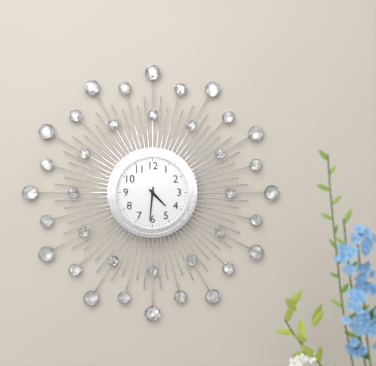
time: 4:31
